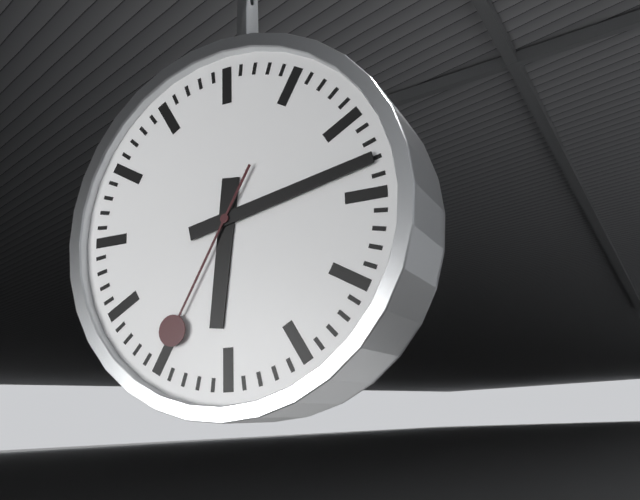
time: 6:13:35
